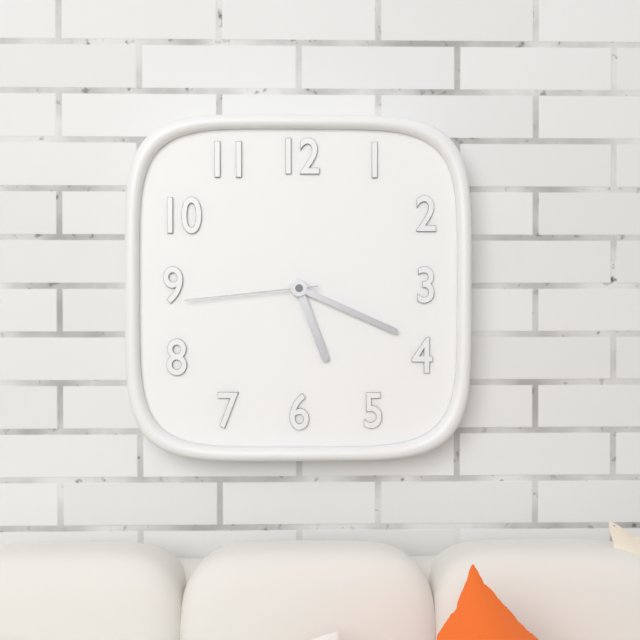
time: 5:19:44
